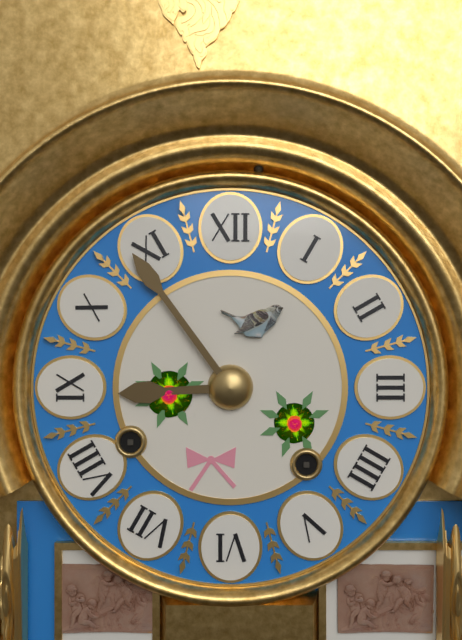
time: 8:54
